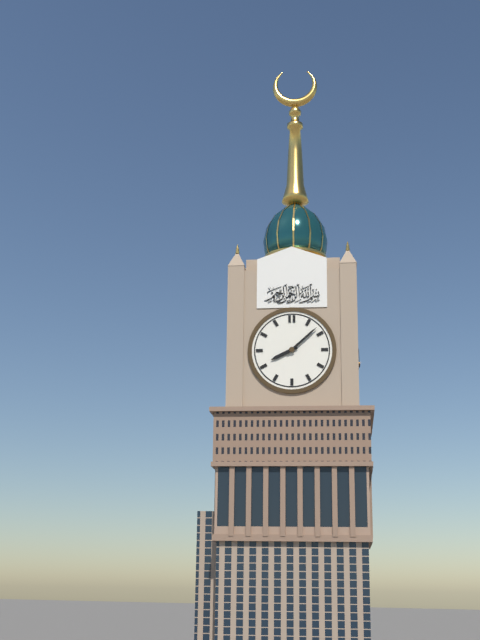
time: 8:08
